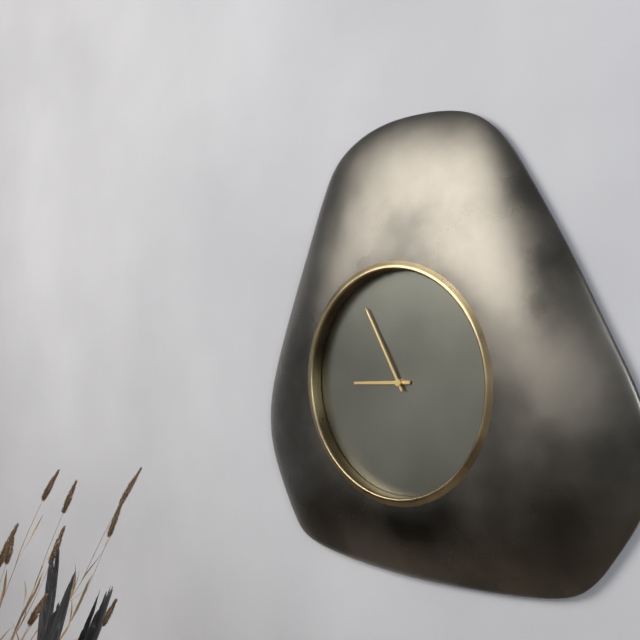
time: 8:55
